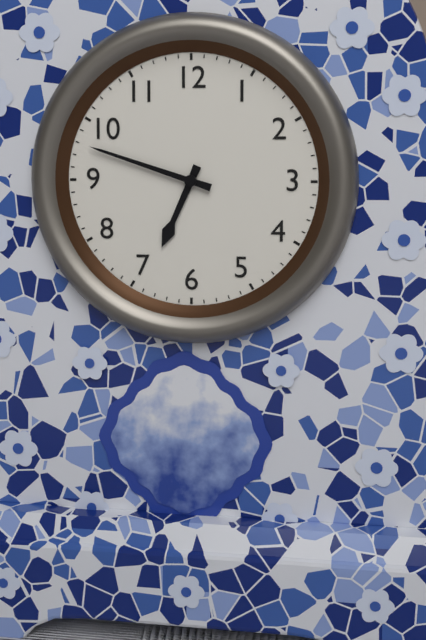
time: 6:48
